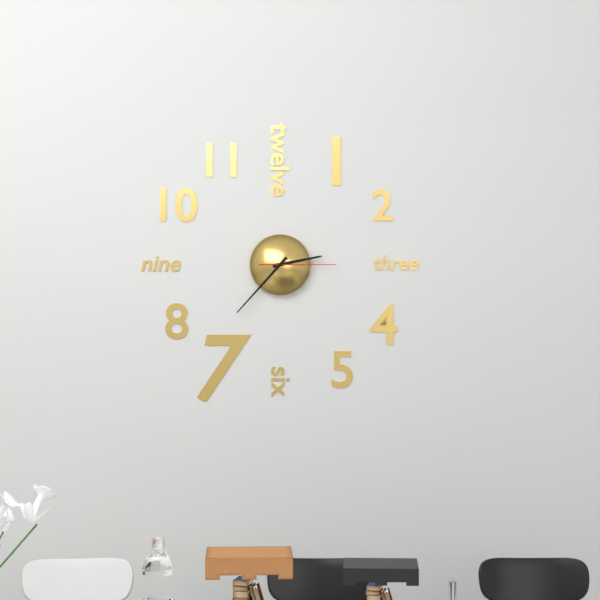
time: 2:37:15
